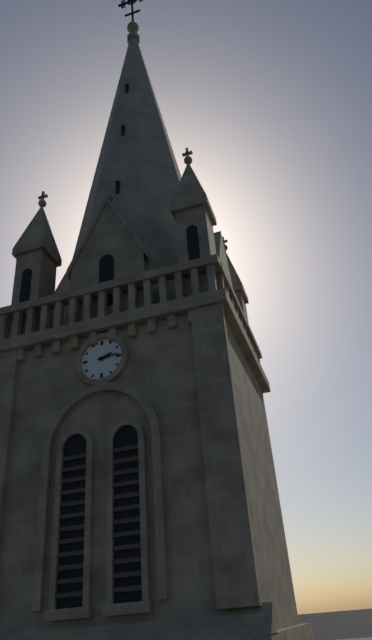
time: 2:14
